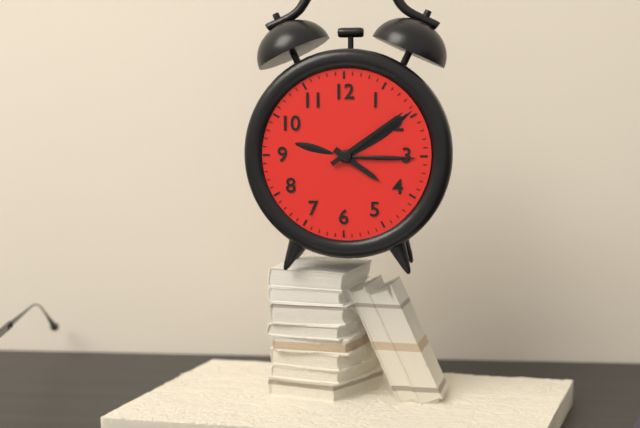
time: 4:09
